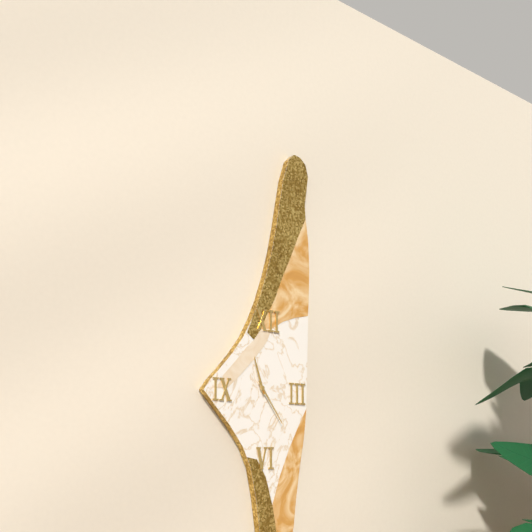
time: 11:24
